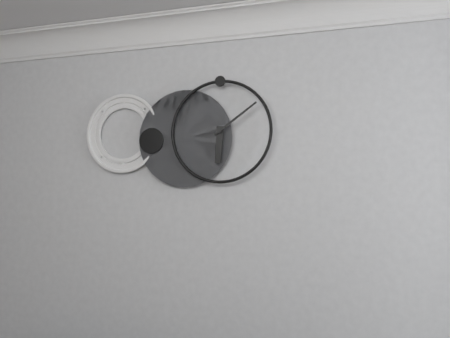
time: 6:09
